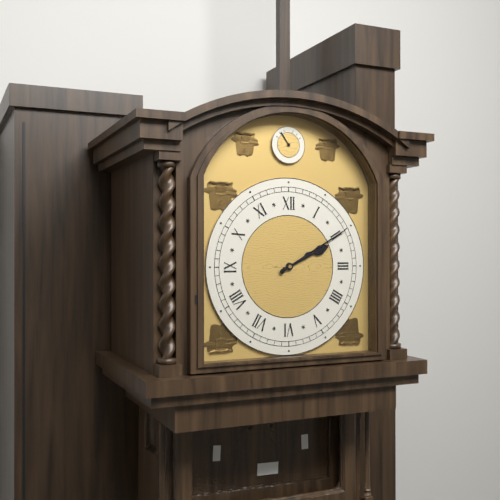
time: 2:10
